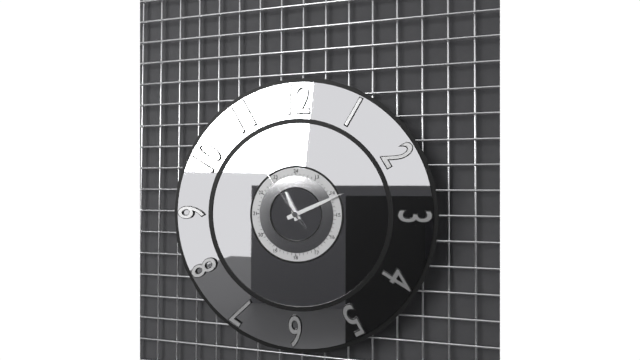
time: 11:11:54
